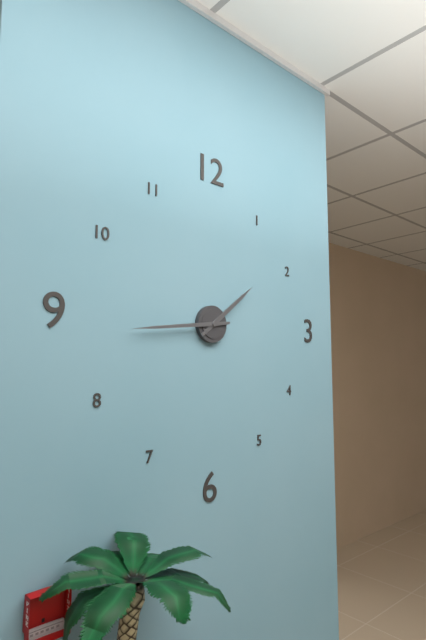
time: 1:44
